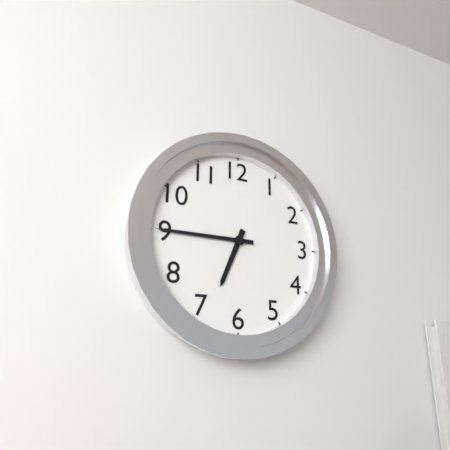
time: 6:45
